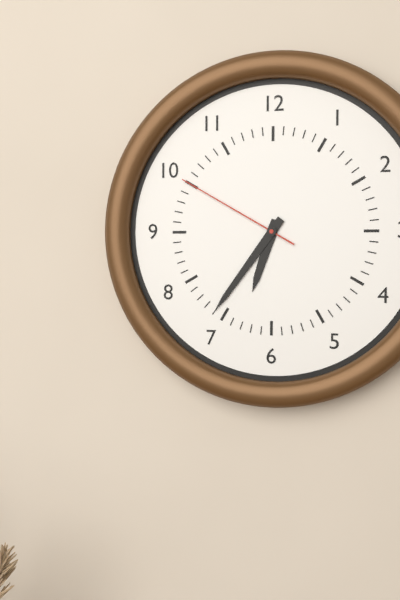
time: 6:36:50
